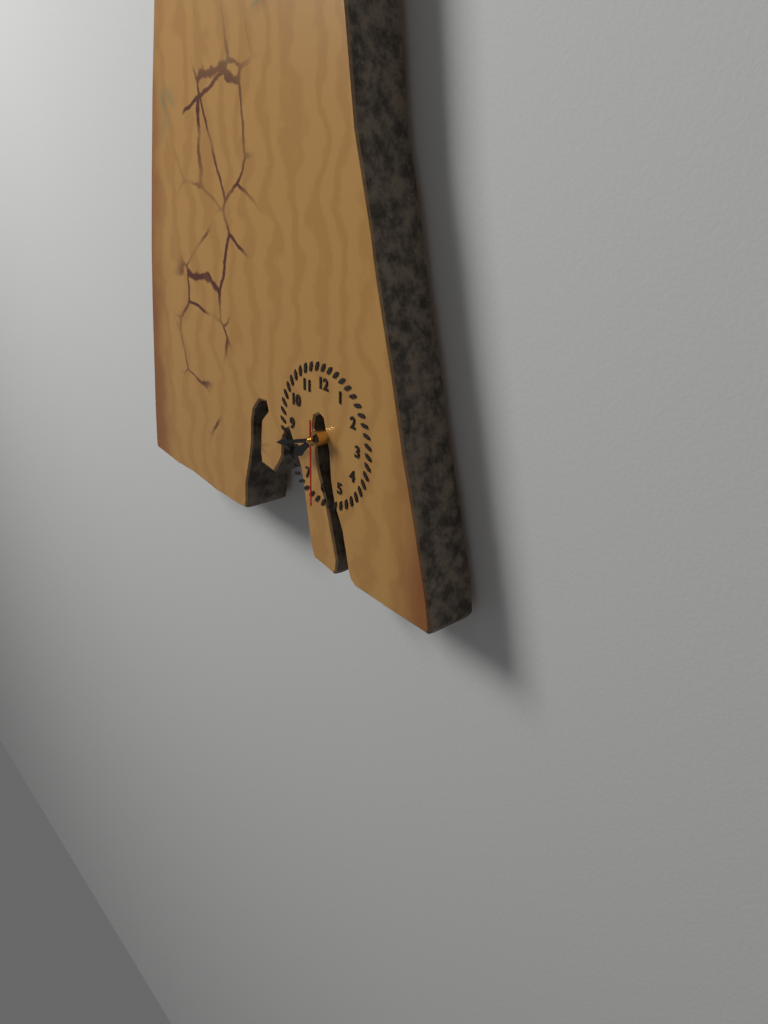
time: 7:42:30
